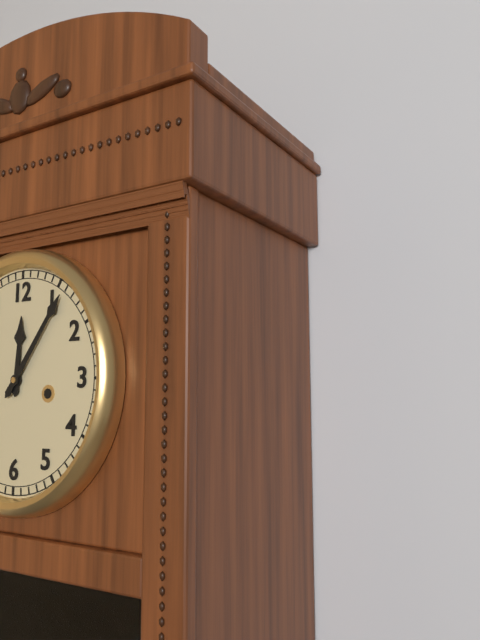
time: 12:06
